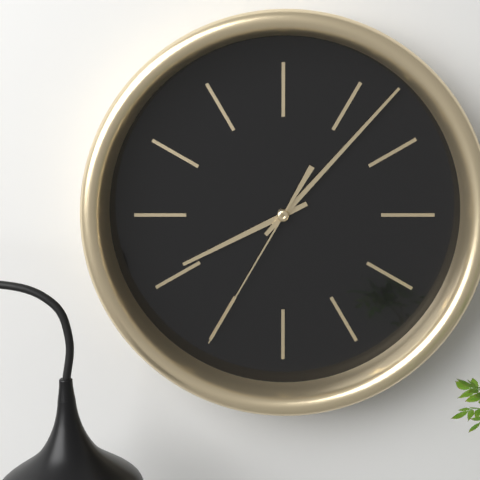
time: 8:07:35
